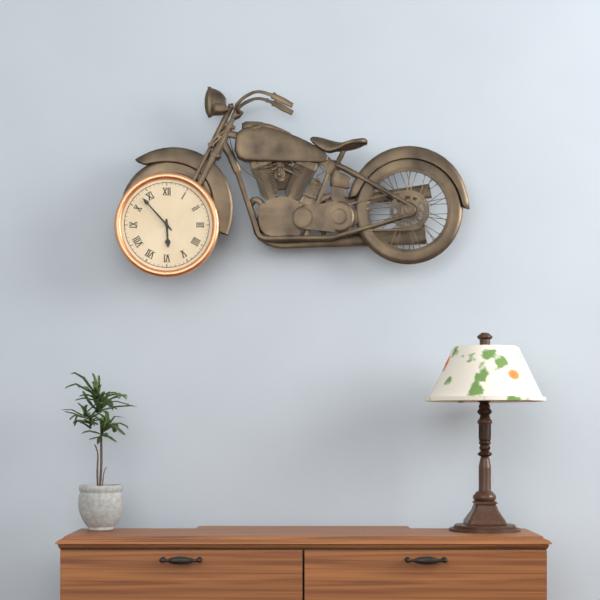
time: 5:53
